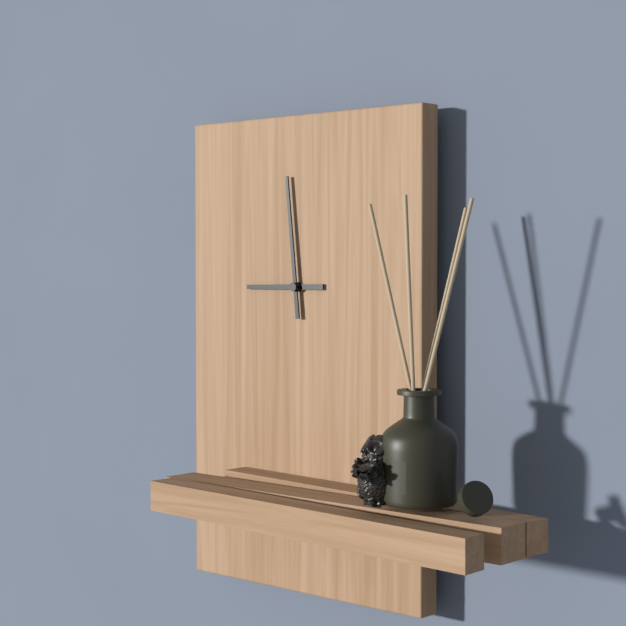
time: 8:59
